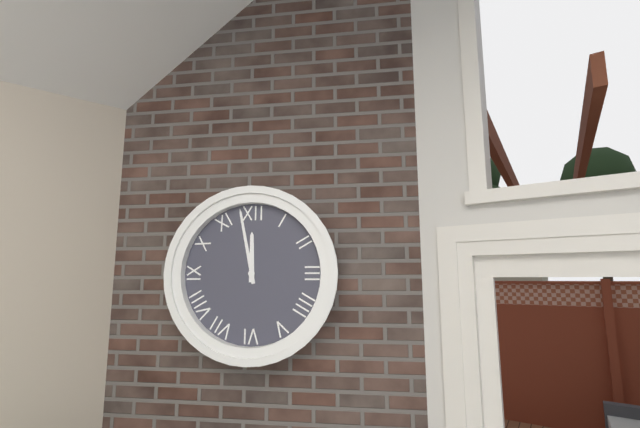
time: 11:58
